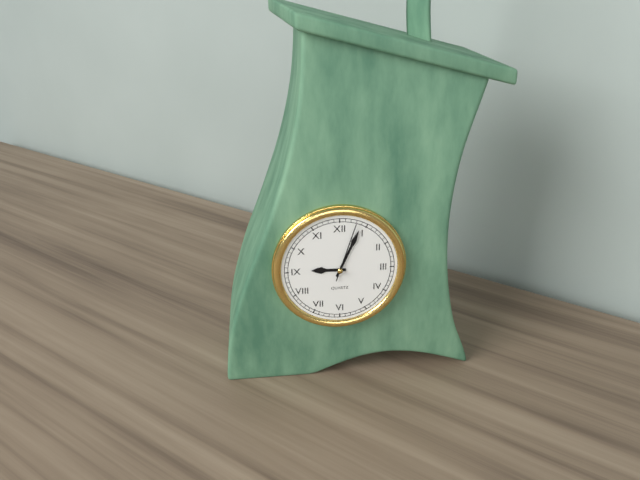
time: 9:04:03
